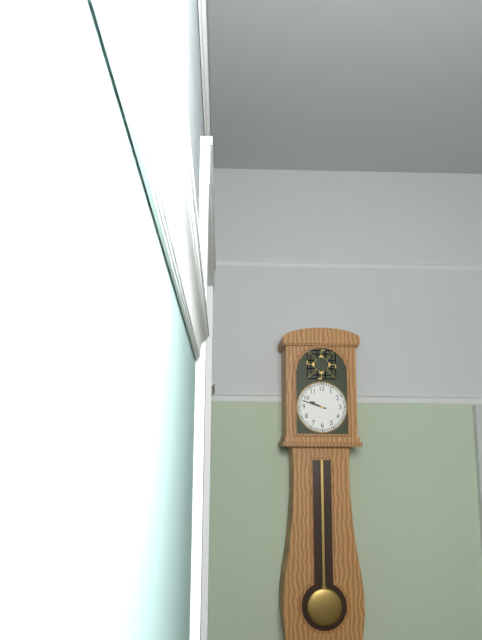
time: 9:48
